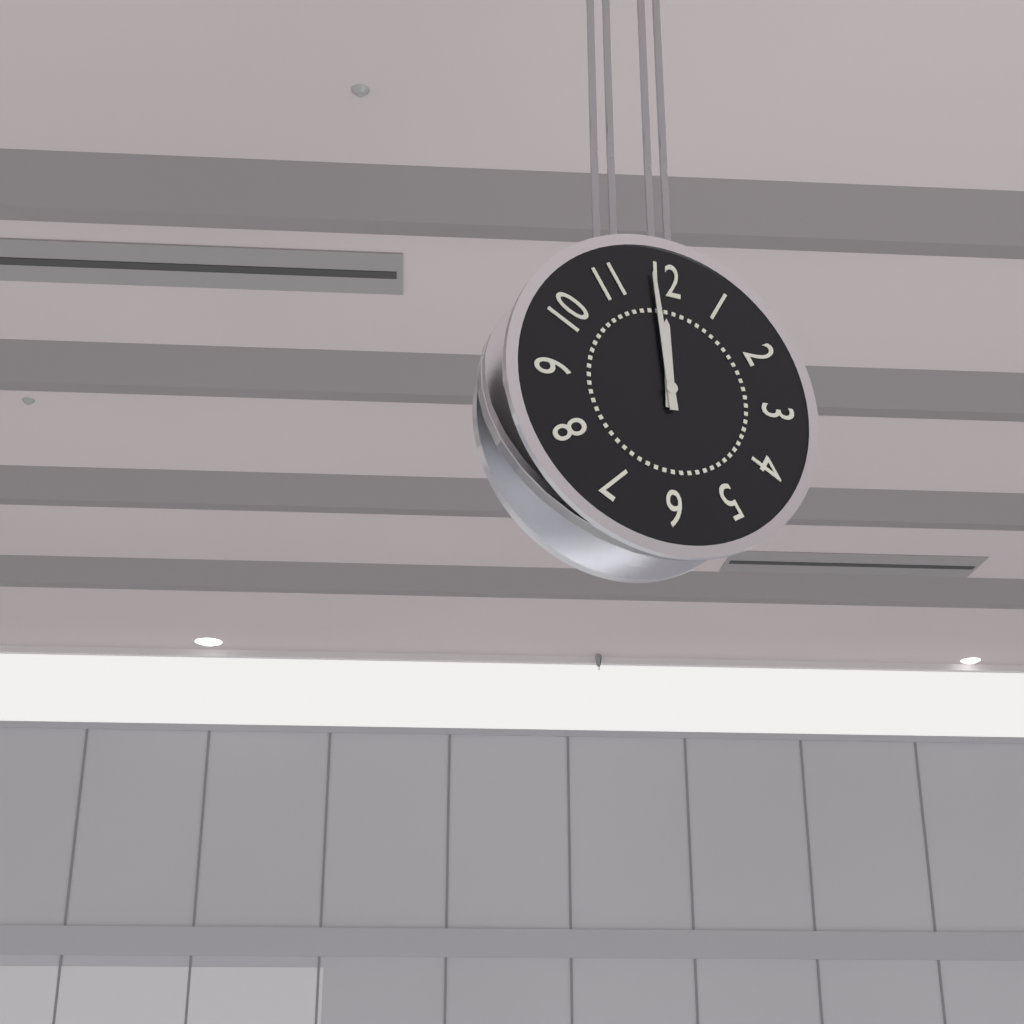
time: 11:59
